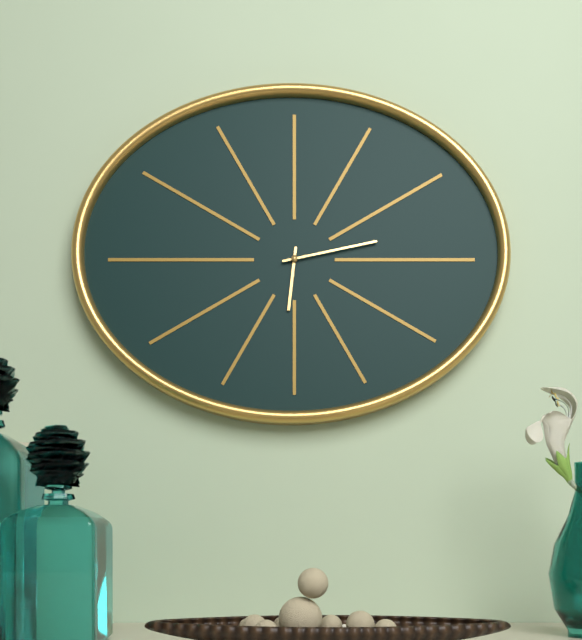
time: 6:13
